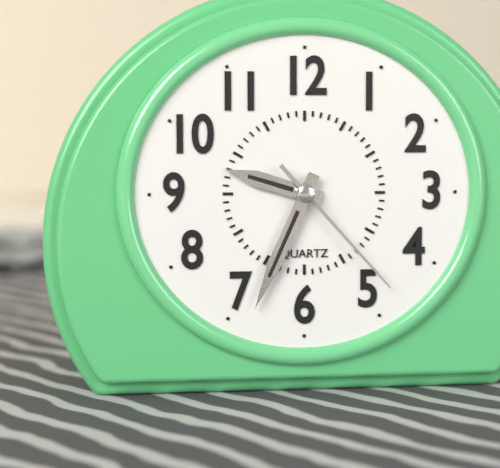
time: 9:34:23
